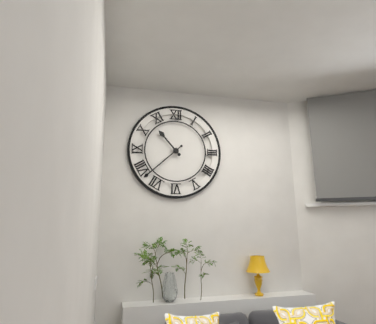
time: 10:38
